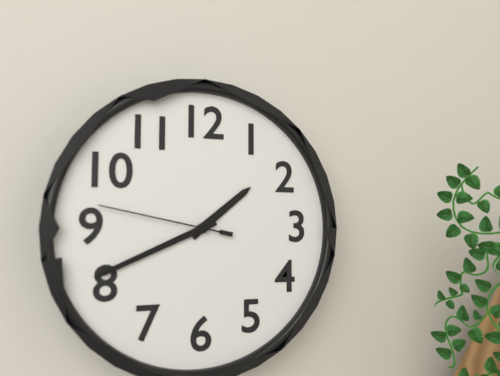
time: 1:41:47
